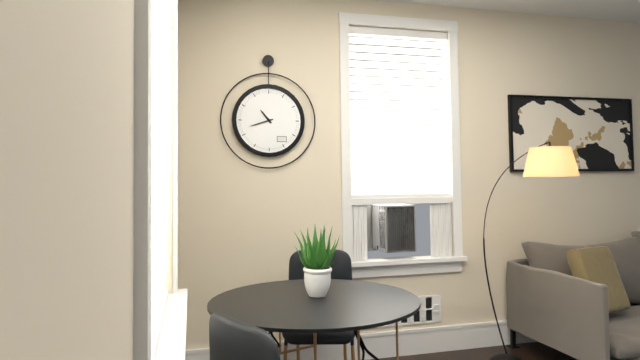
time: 10:42
